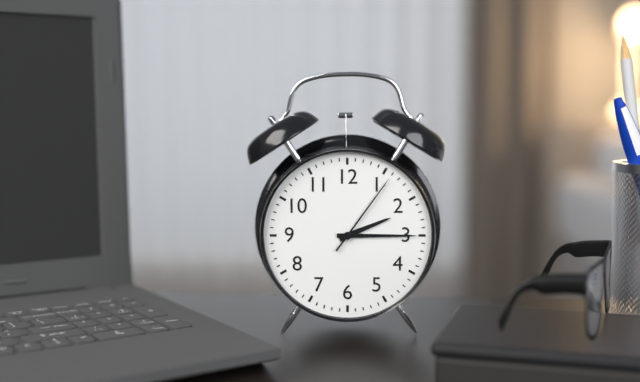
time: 2:15:06
